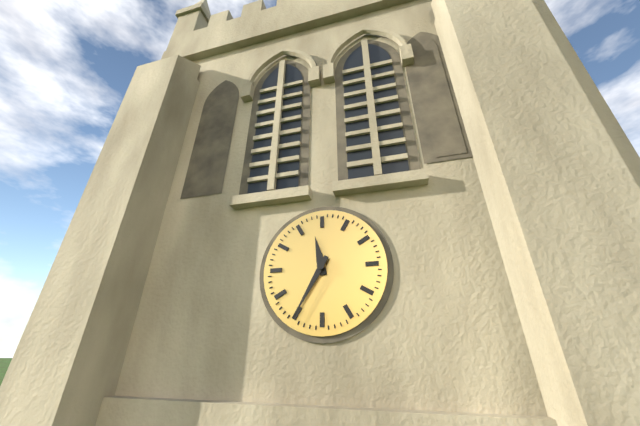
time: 11:35
